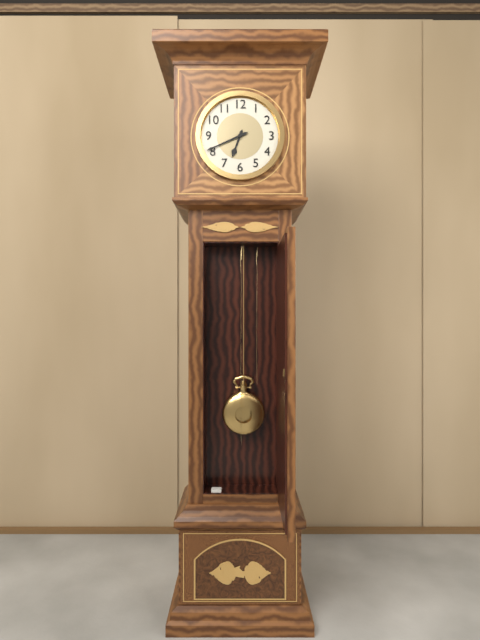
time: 6:41
